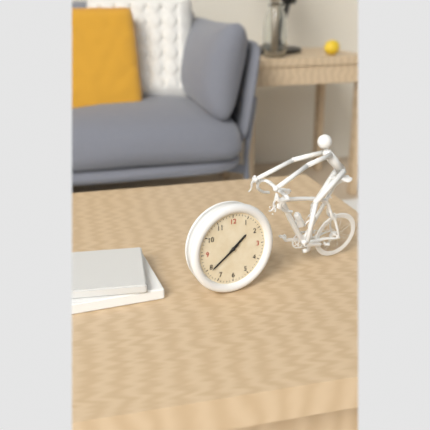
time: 1:39
